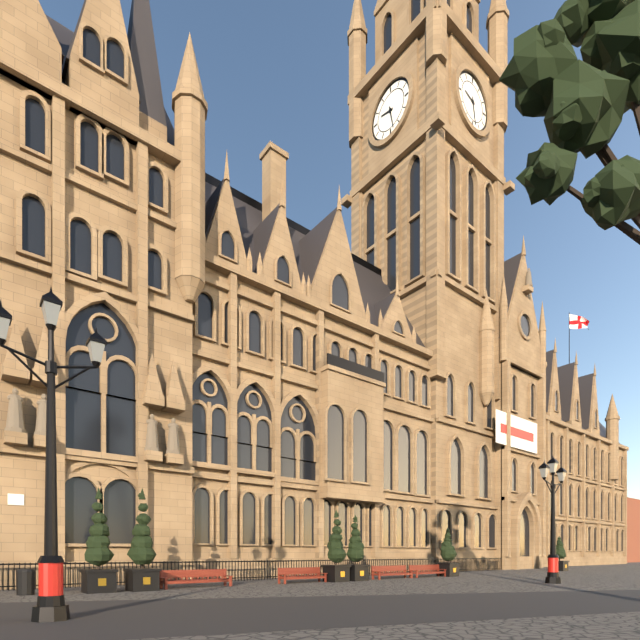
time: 9:28
